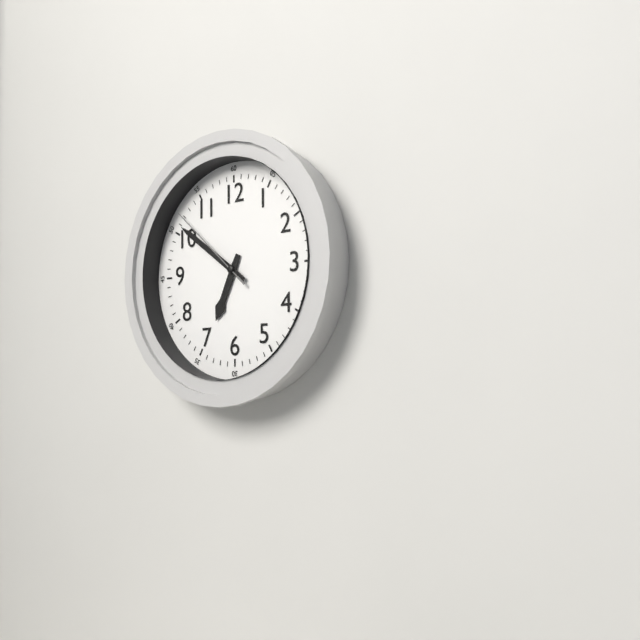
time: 6:51:52
